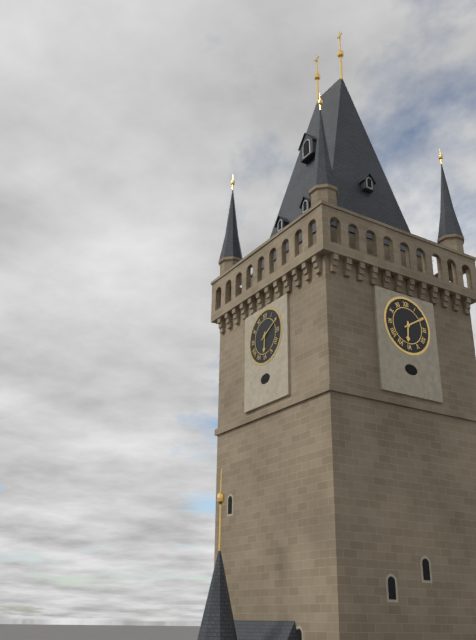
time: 6:10
